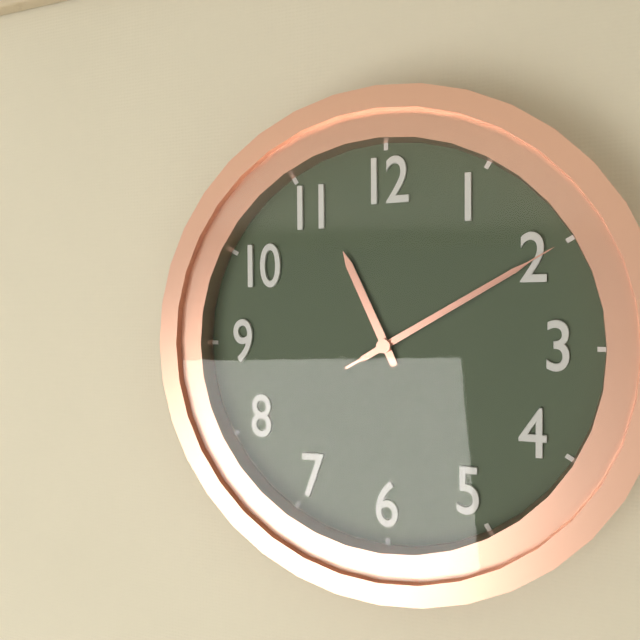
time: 11:10:10
